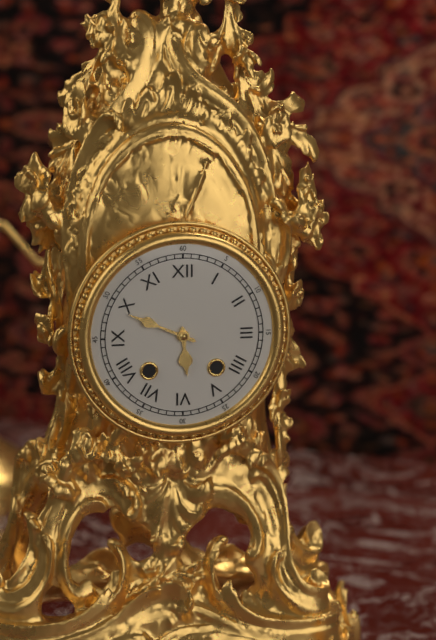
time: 5:49
